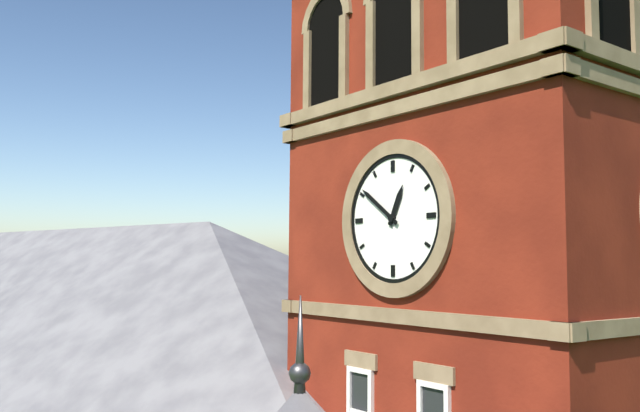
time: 12:51
